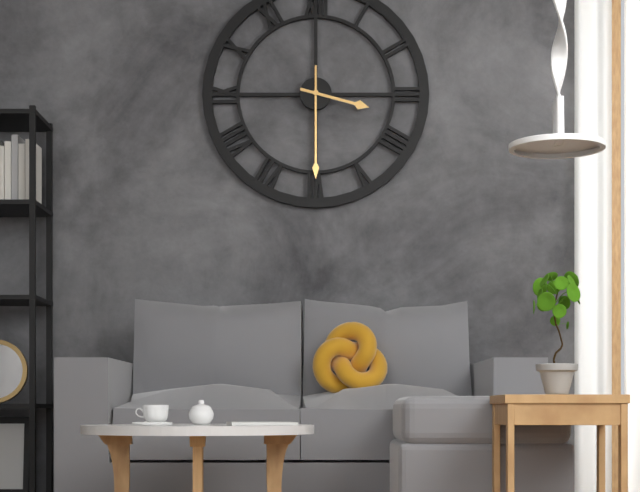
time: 3:30
